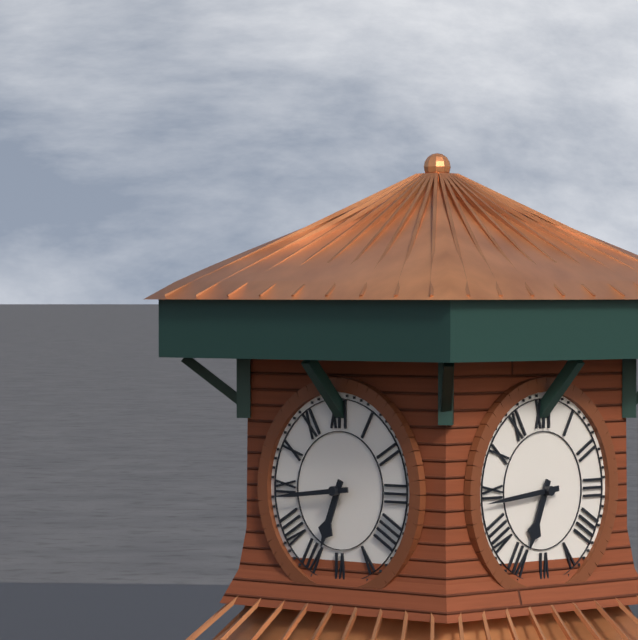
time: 6:44
